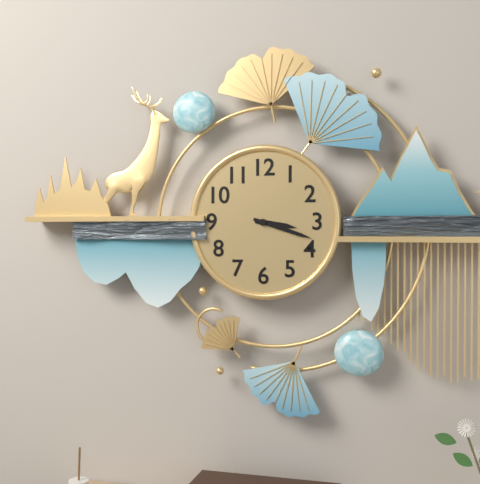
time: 3:18
